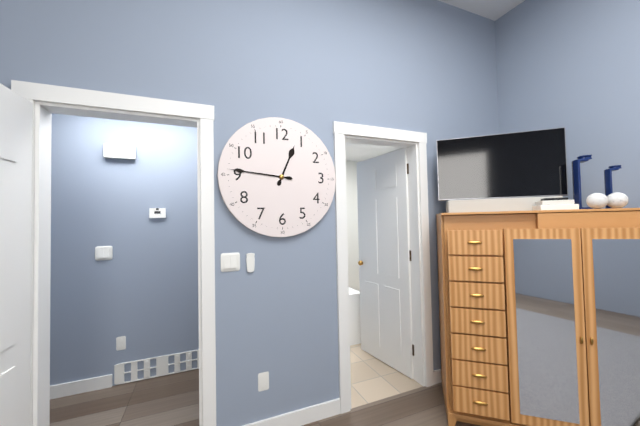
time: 12:46
